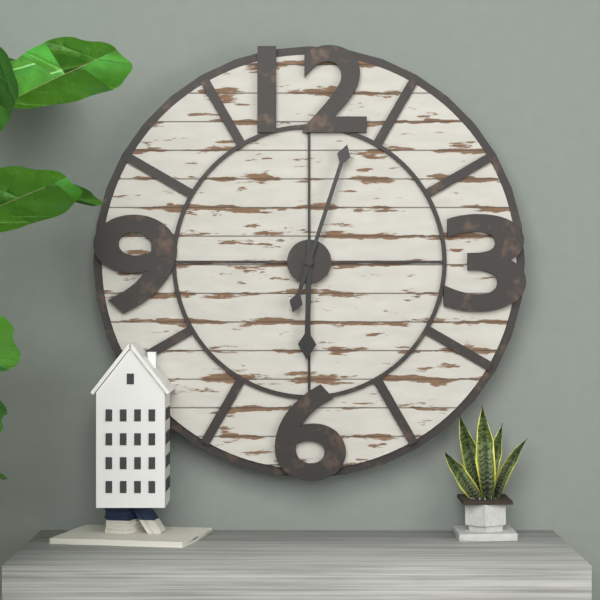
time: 6:03
